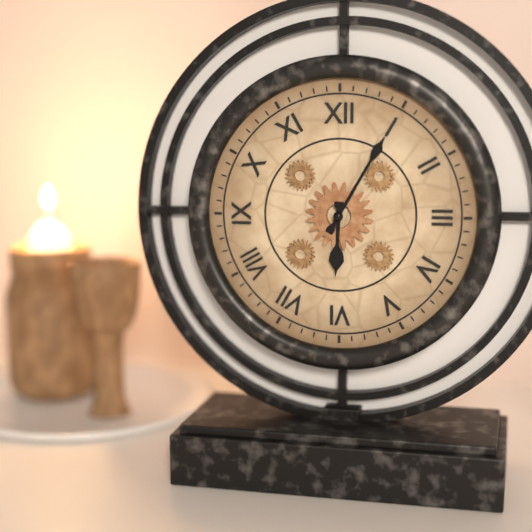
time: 6:05
